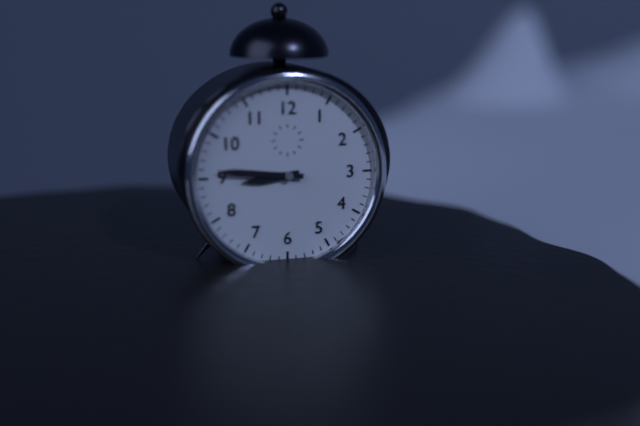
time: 8:46
